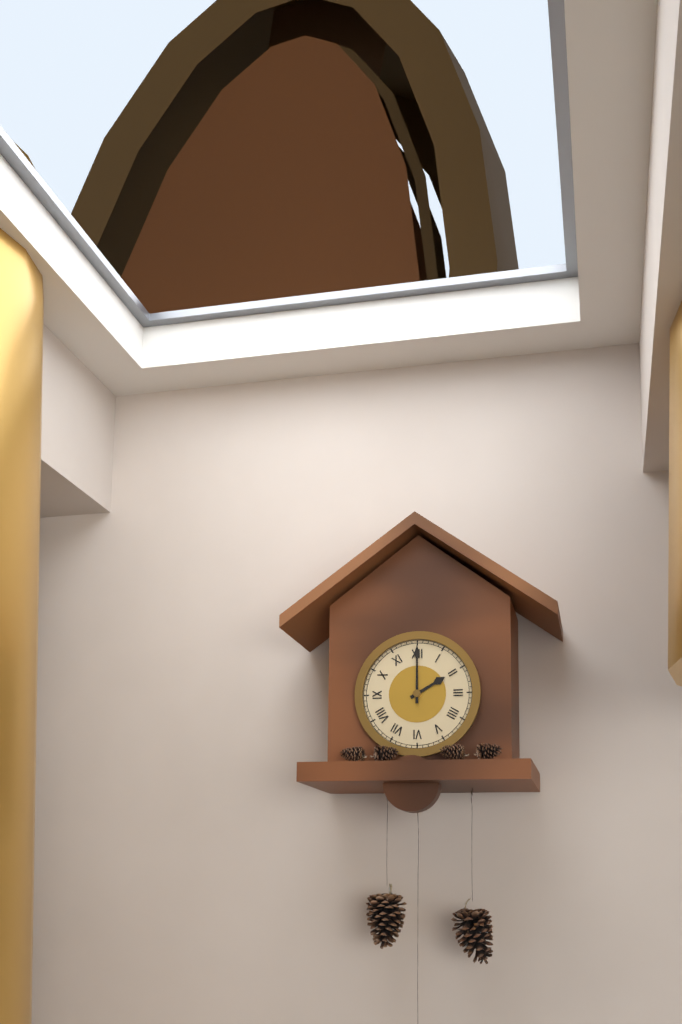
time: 2:00
